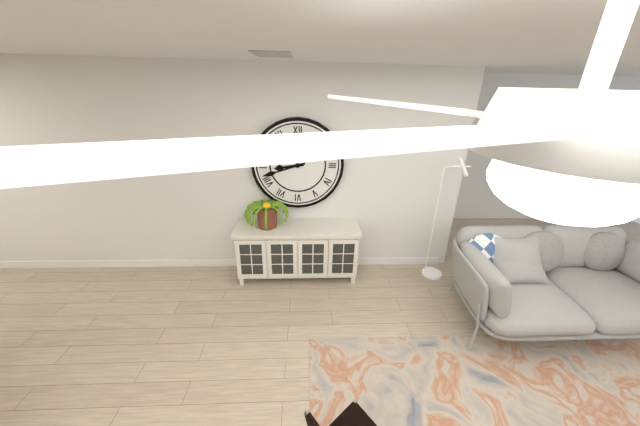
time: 8:42
